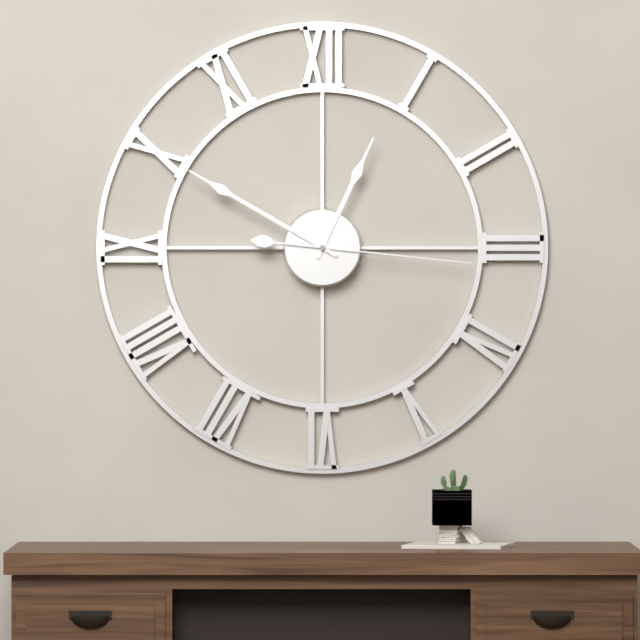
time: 12:50:16
